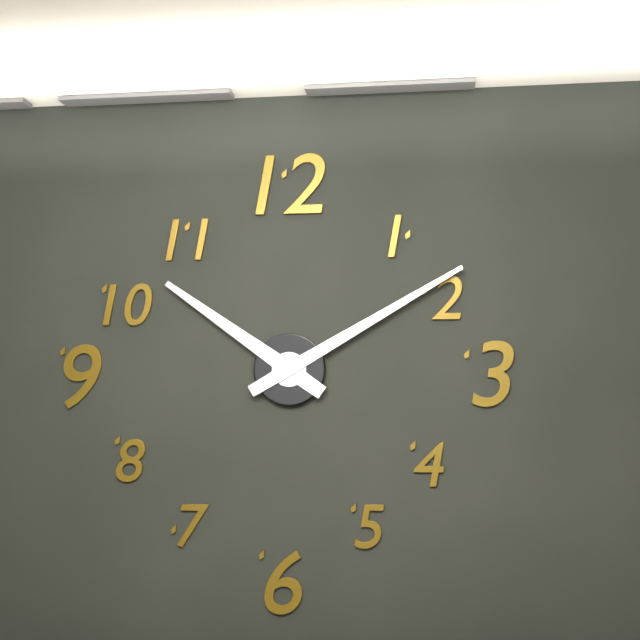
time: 10:10
